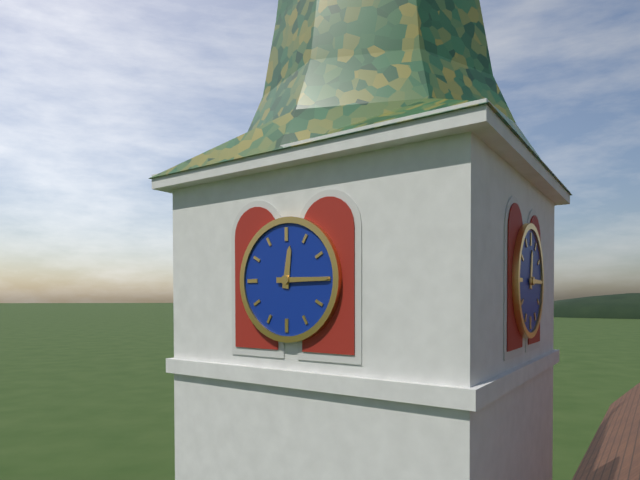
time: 12:15
